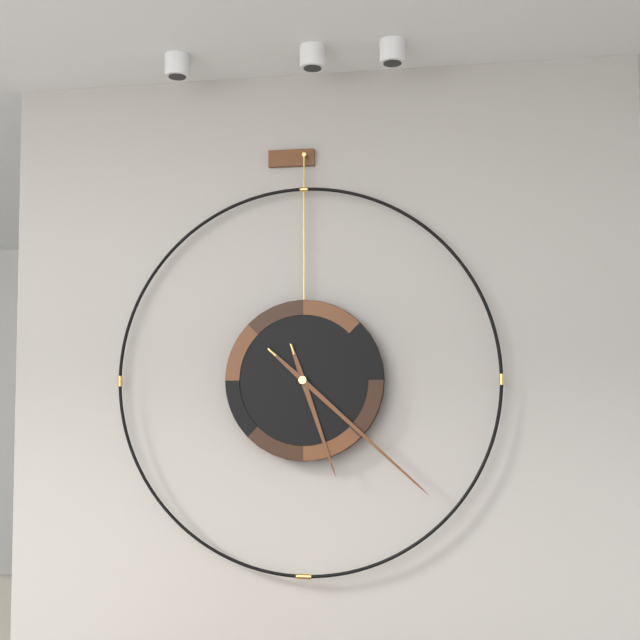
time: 5:22
